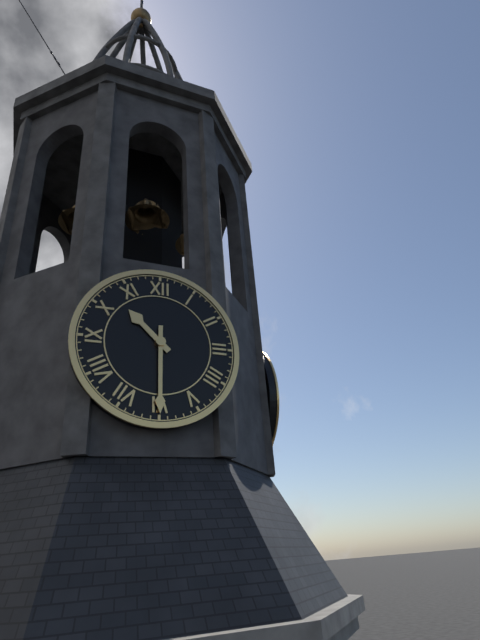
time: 10:30
